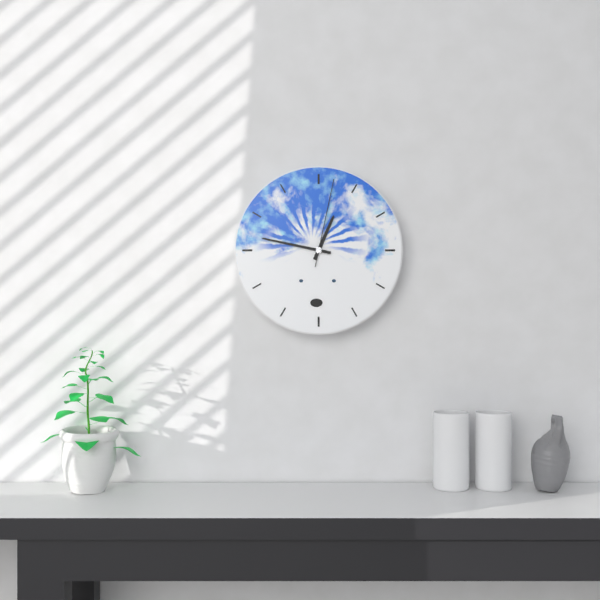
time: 12:47:02
